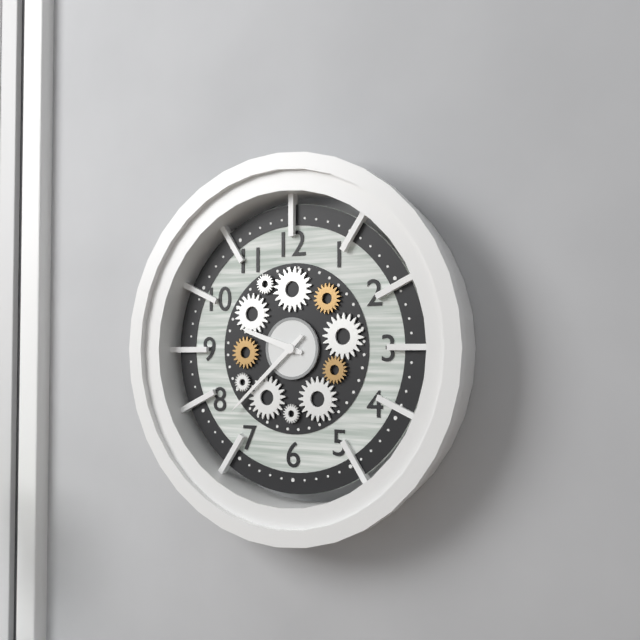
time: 9:38
